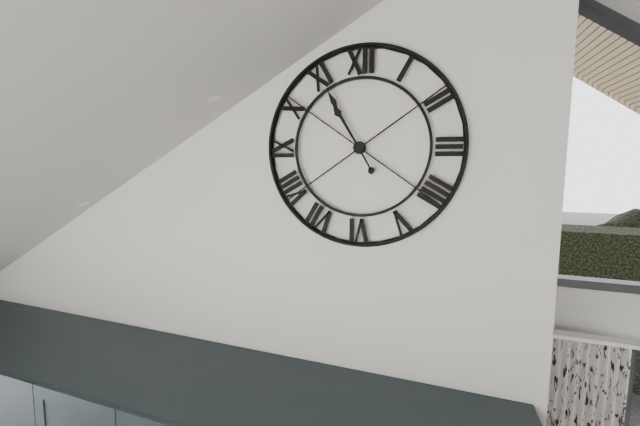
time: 10:55
